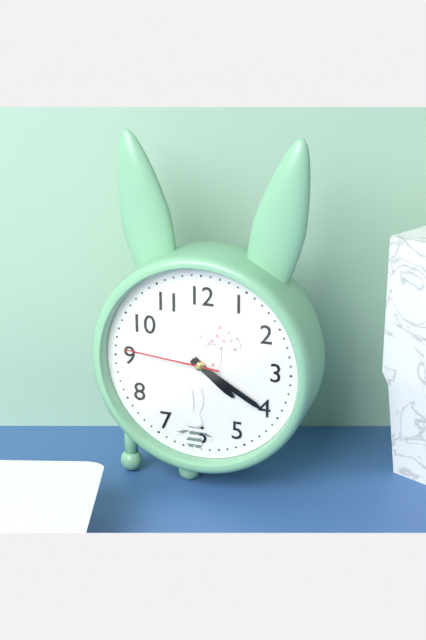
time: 4:20:46
